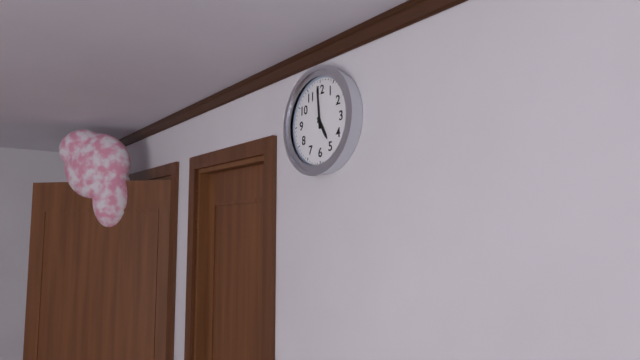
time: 4:59
